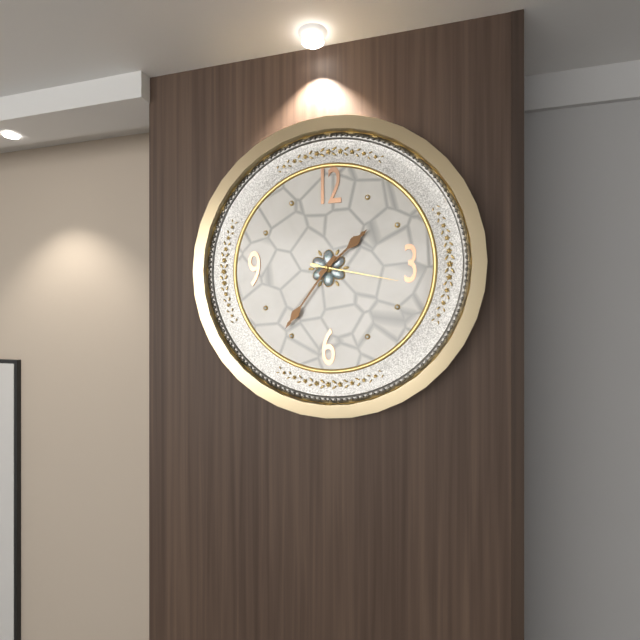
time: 1:36:17
